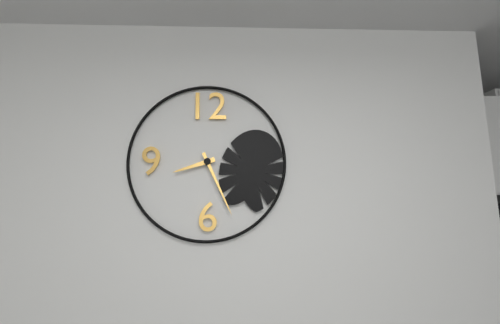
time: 8:26
